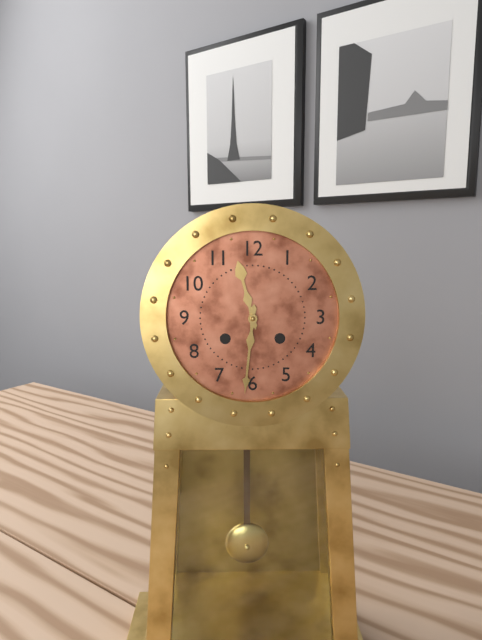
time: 11:31
